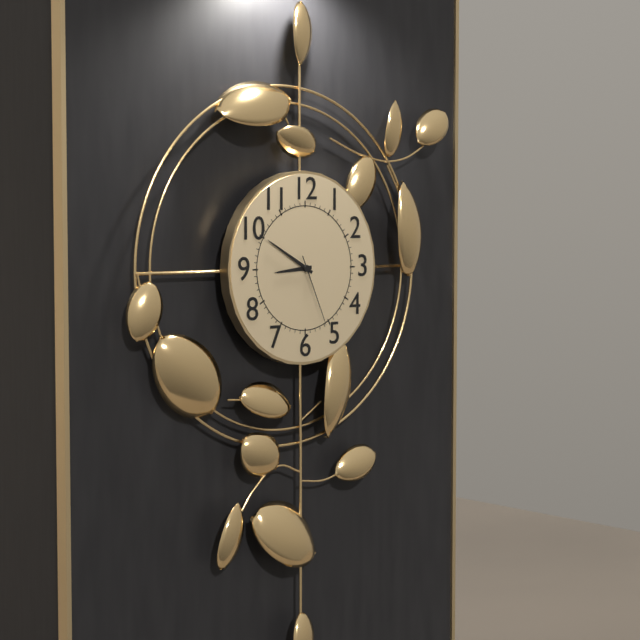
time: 8:50:26
